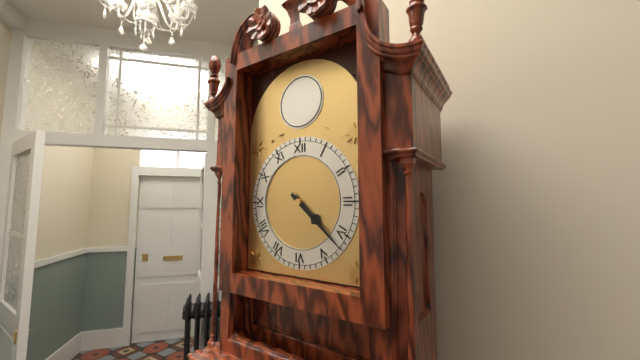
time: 4:22
